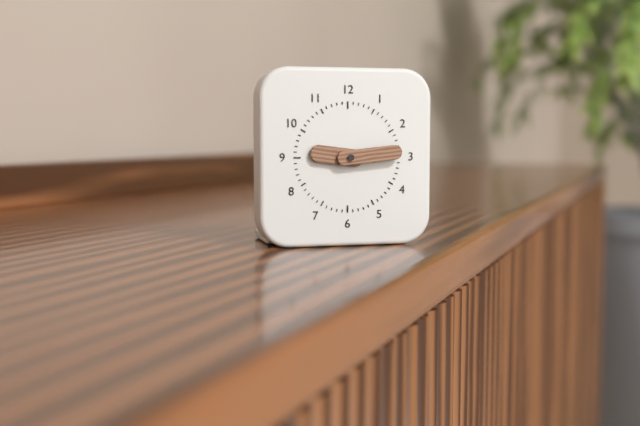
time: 9:14
